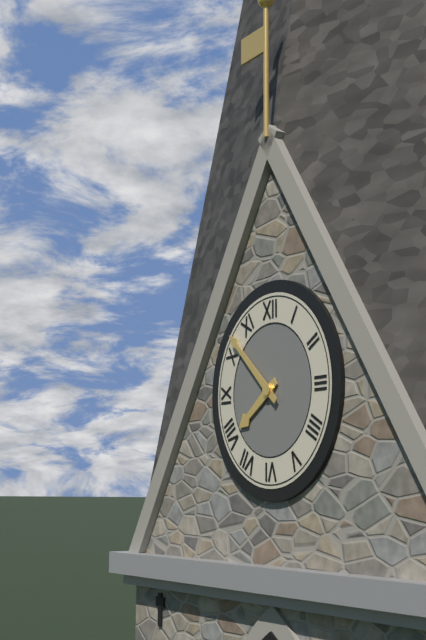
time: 7:52
